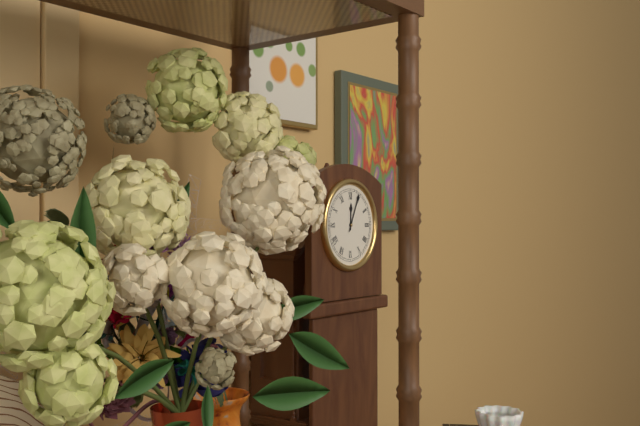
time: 12:04
